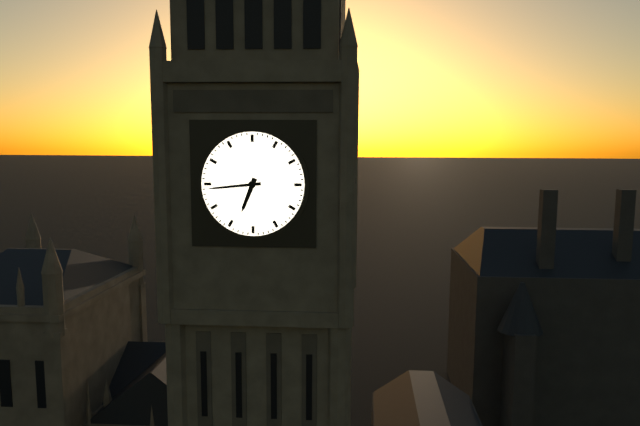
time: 6:44
